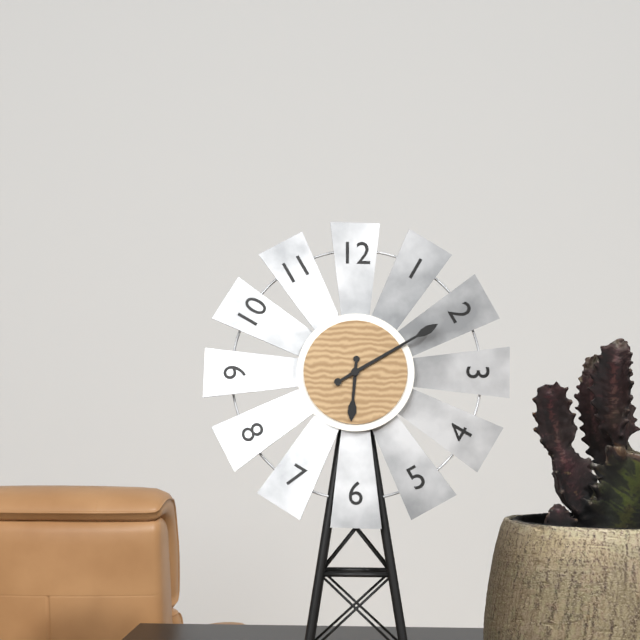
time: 6:10
